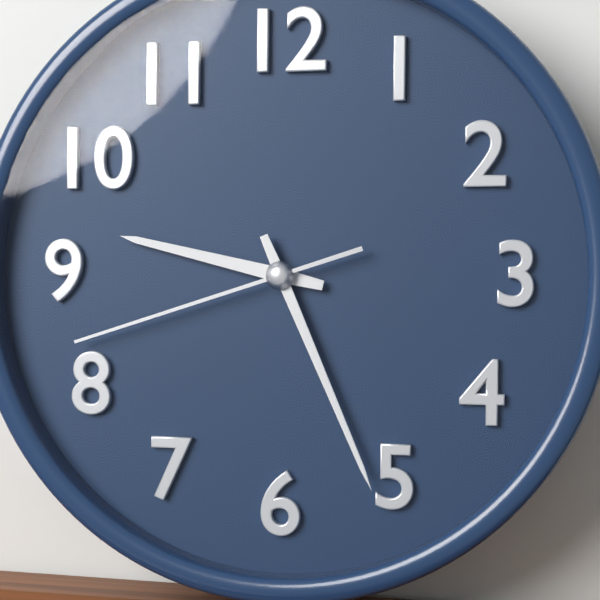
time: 9:26:42
